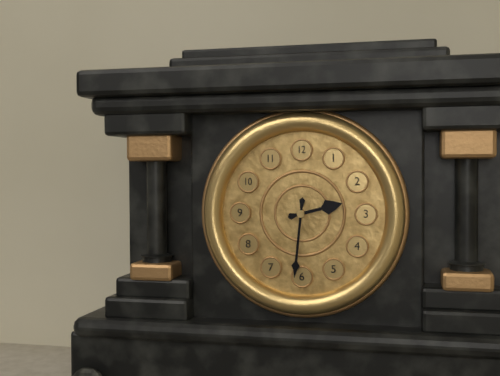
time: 2:31
